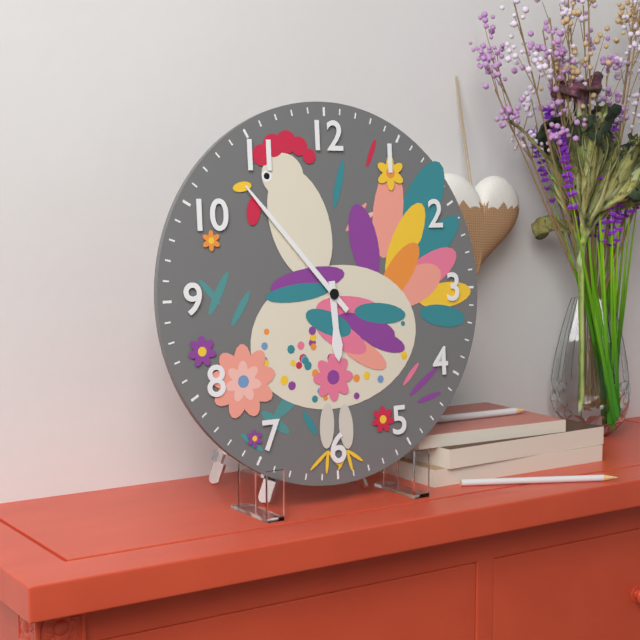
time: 5:53
